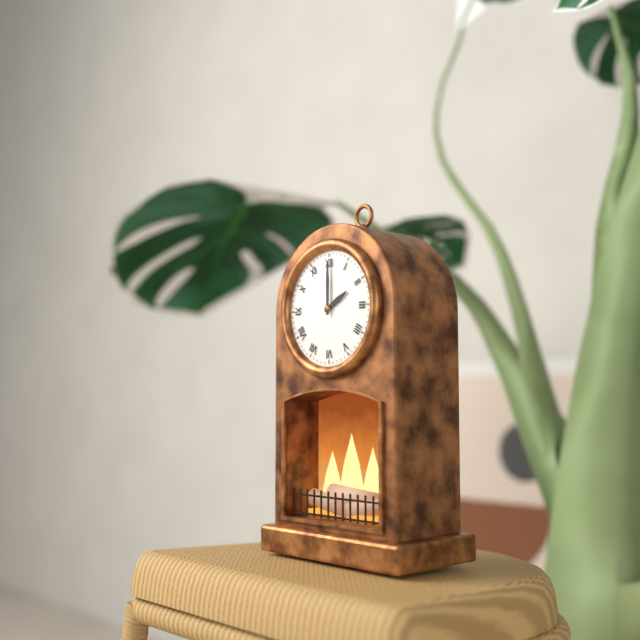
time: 2:00
